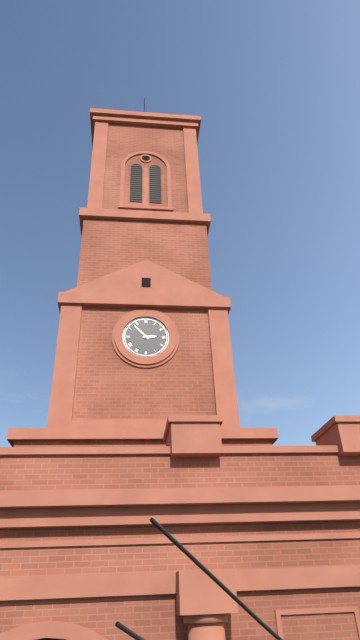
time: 2:53
